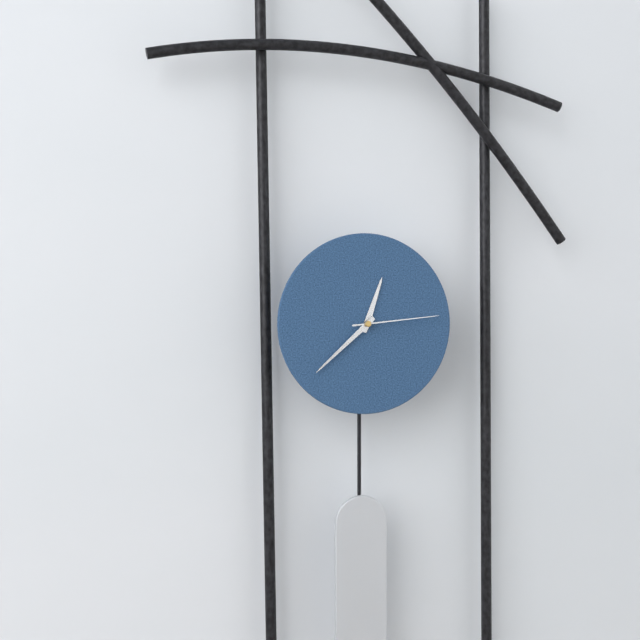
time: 12:38:14
